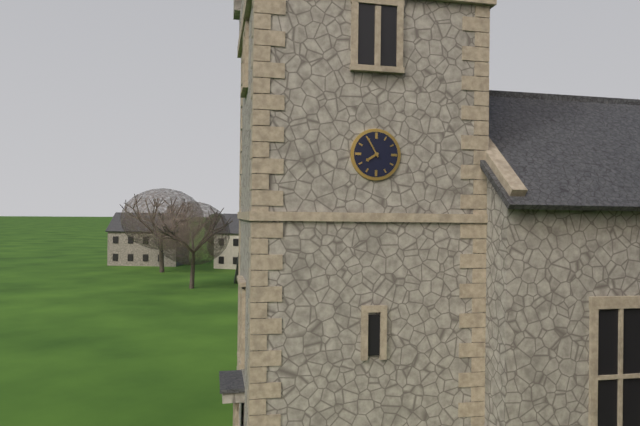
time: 7:55
